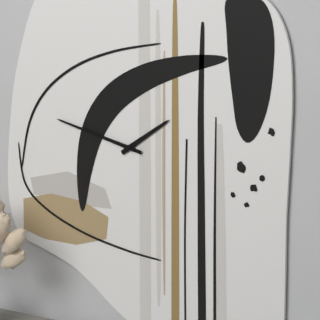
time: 1:47
